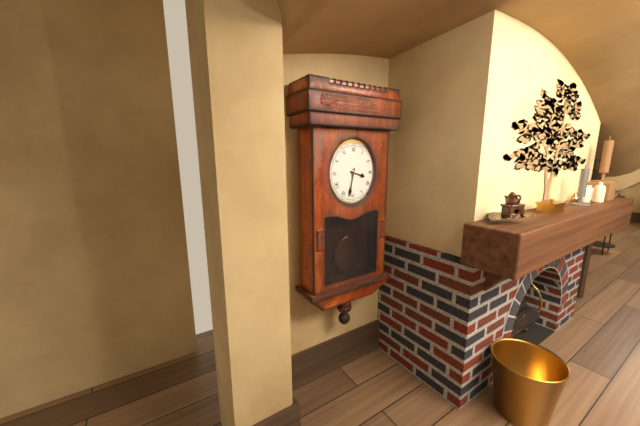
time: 3:32
